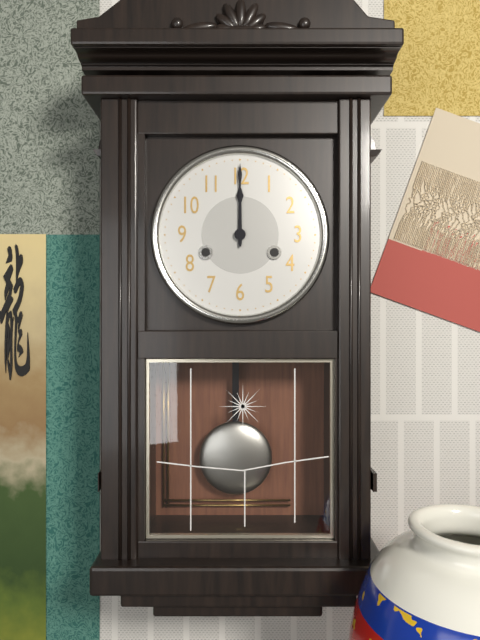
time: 12:00
